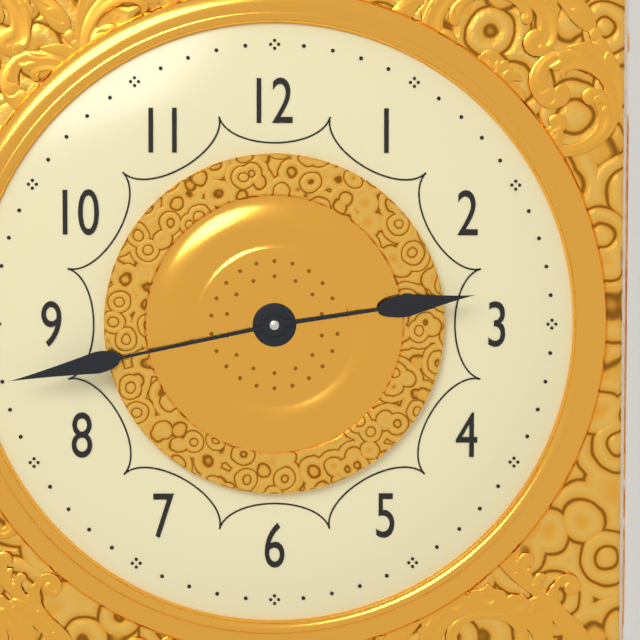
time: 2:43
